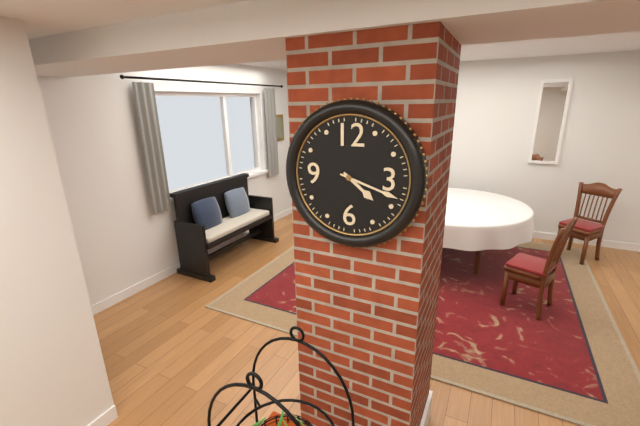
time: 4:18
